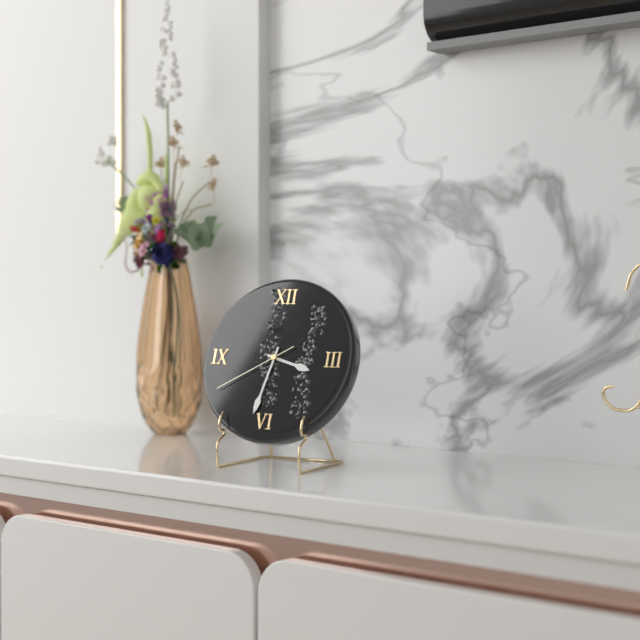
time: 3:32:40
